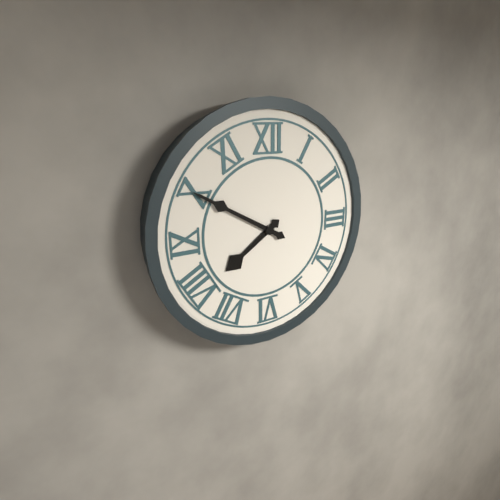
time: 7:50
